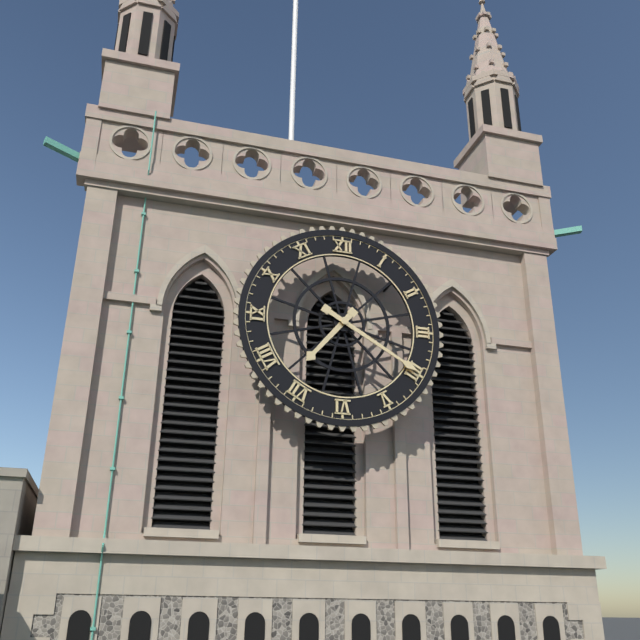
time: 7:20
